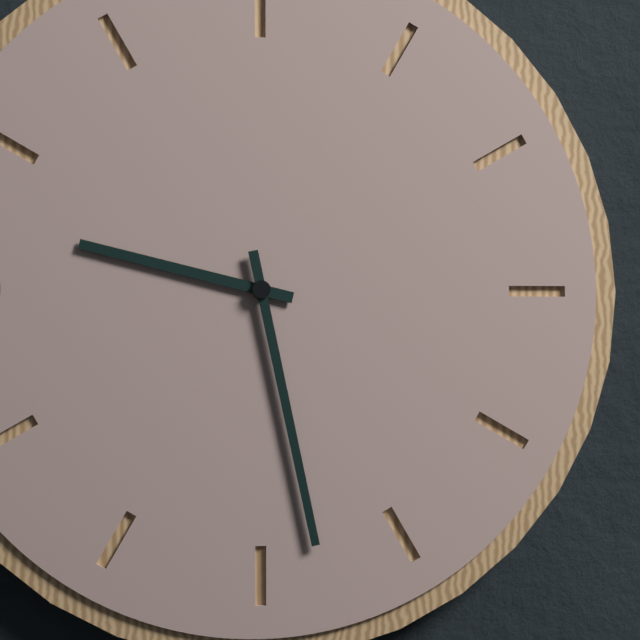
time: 9:28
